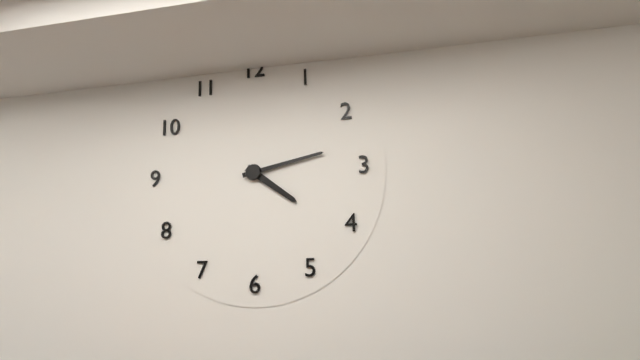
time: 4:13
